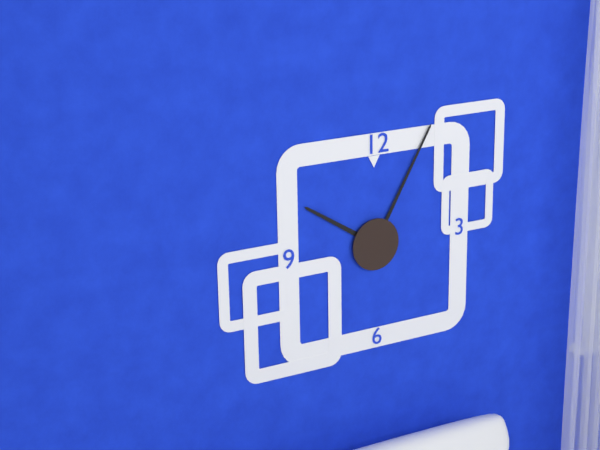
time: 10:05
